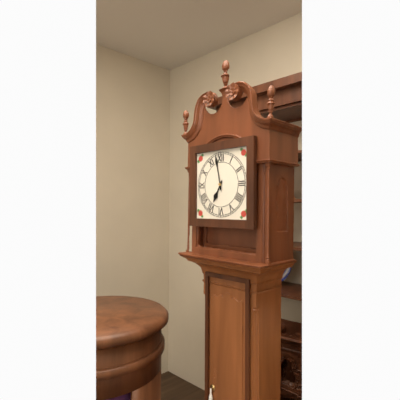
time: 6:58
